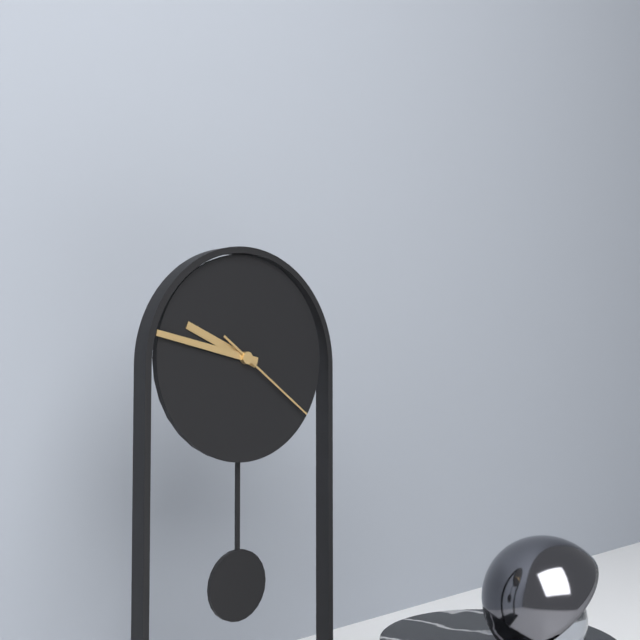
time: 9:47:21
